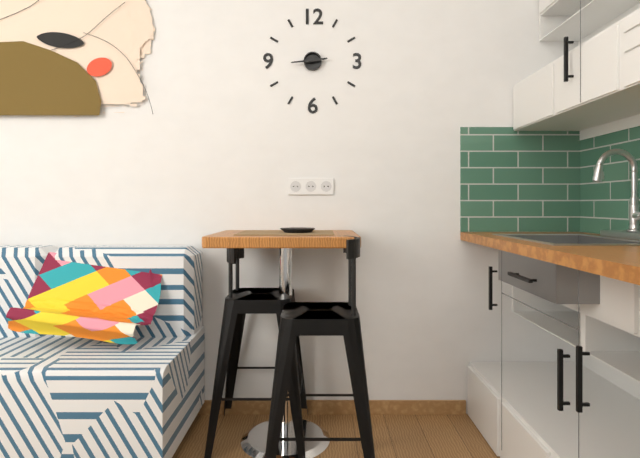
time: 2:44
